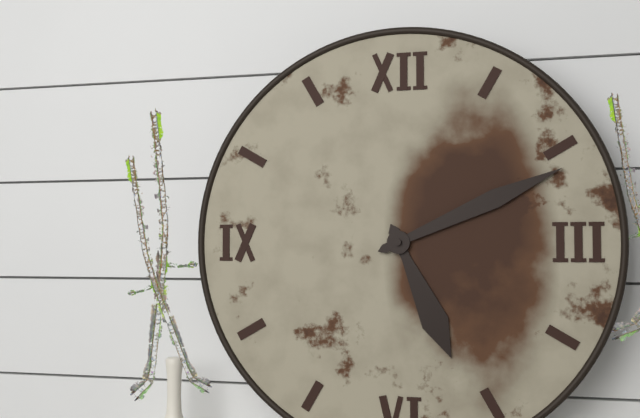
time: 5:11
